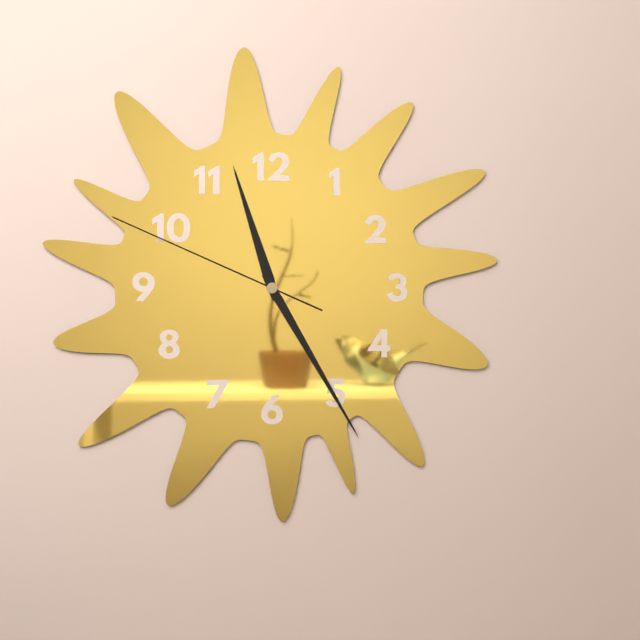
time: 11:25:49
